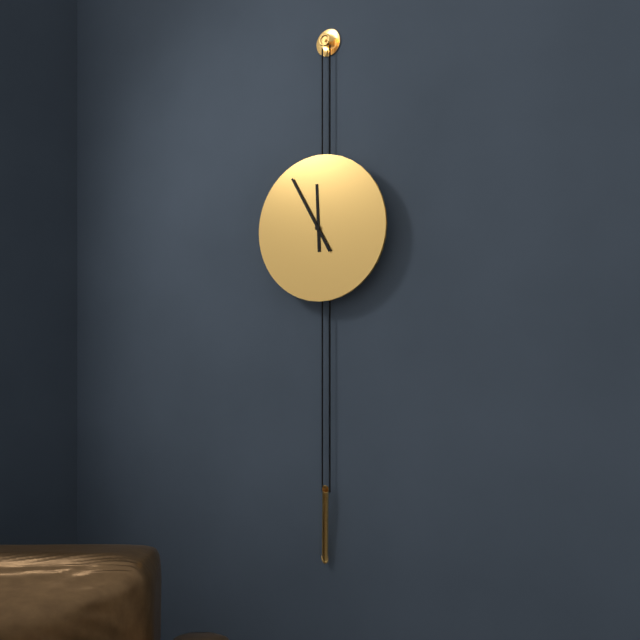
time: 11:55
